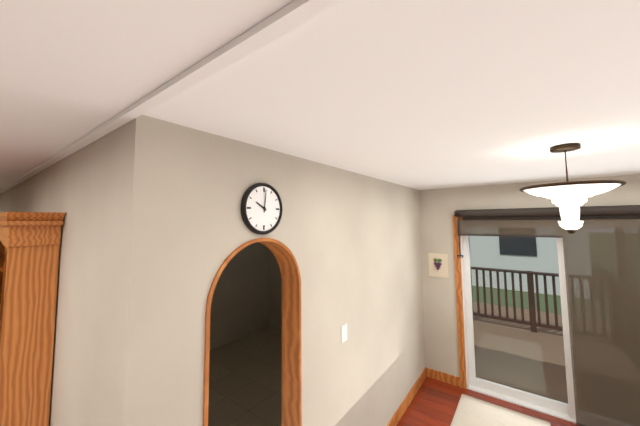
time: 10:01
